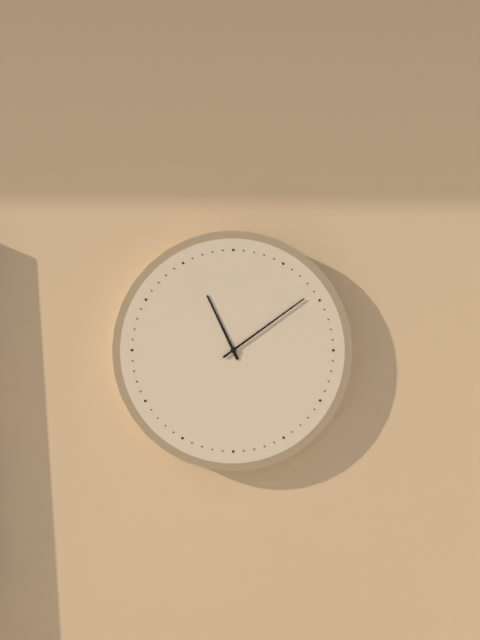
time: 11:09
